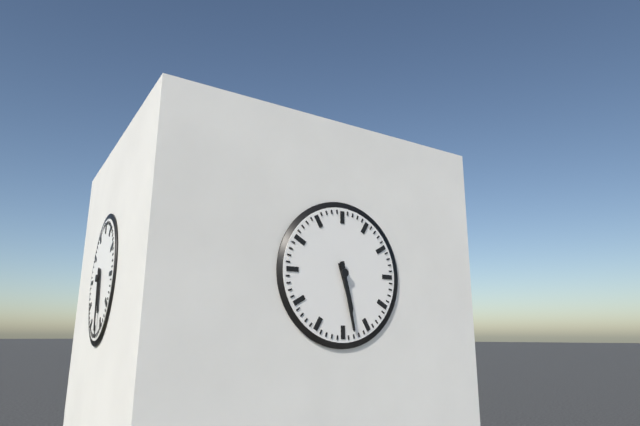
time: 5:28
